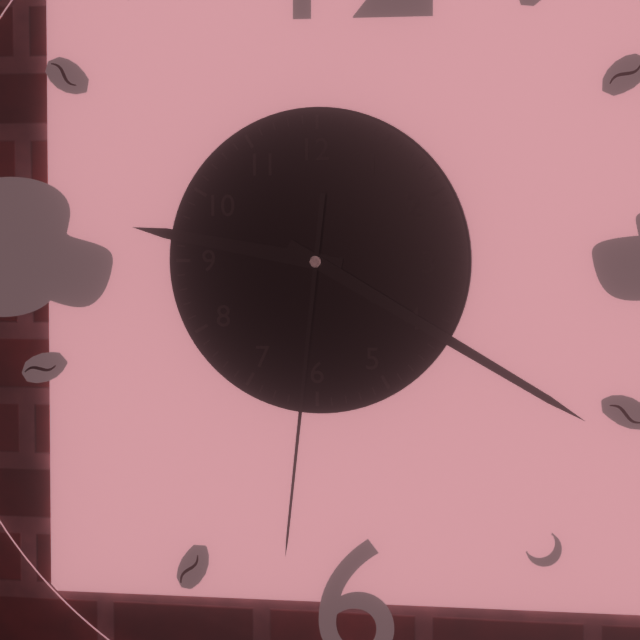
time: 9:20:31
